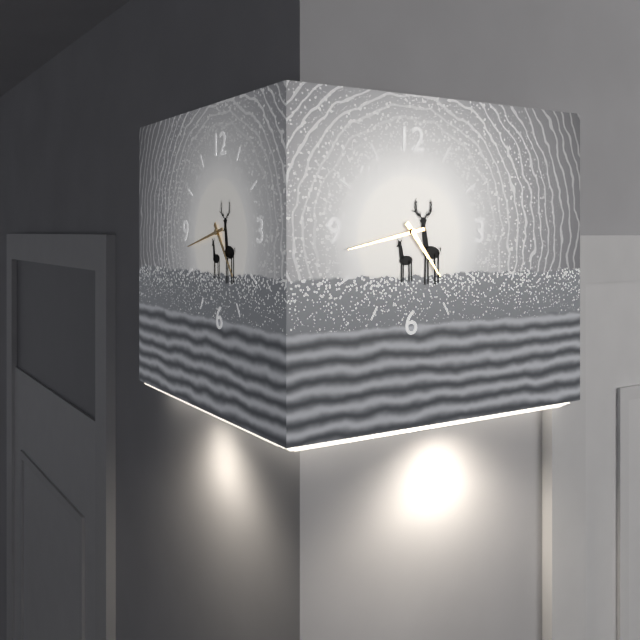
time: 4:43
